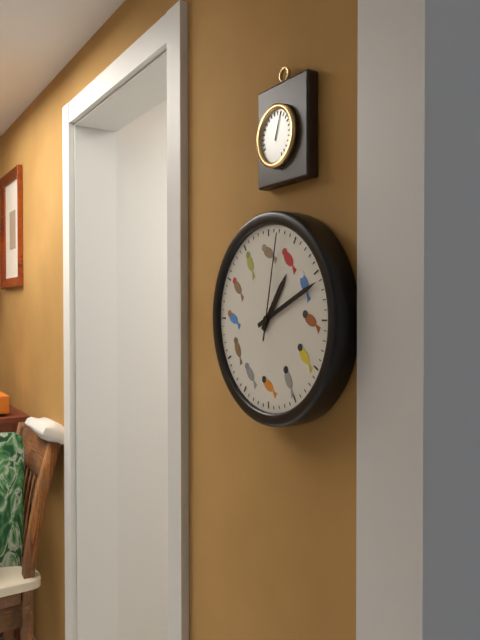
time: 1:11:02
